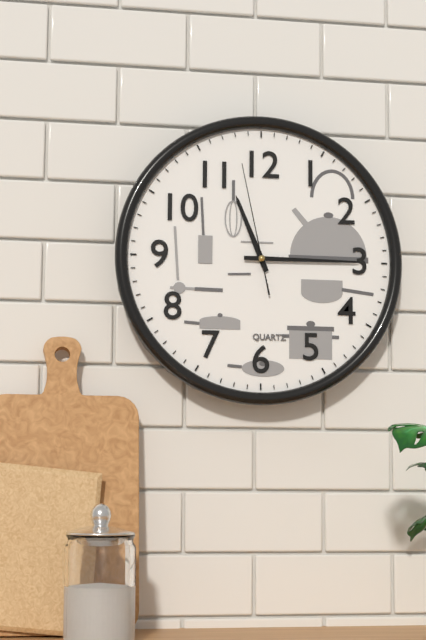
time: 11:15:58
